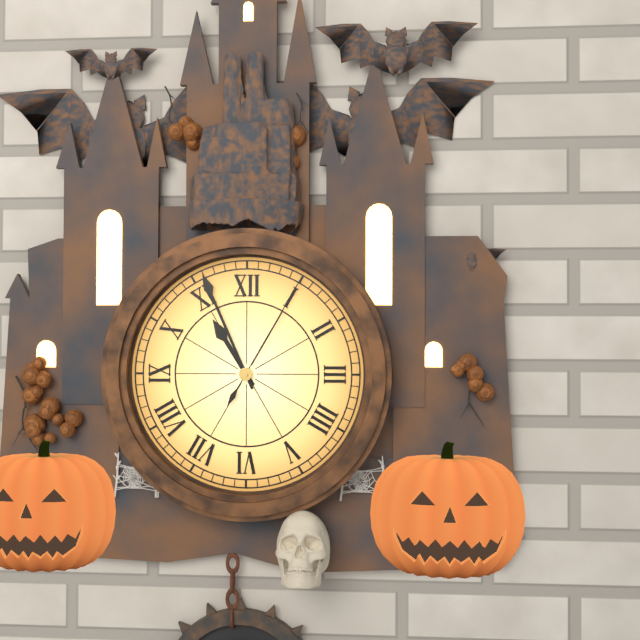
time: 10:56:05
